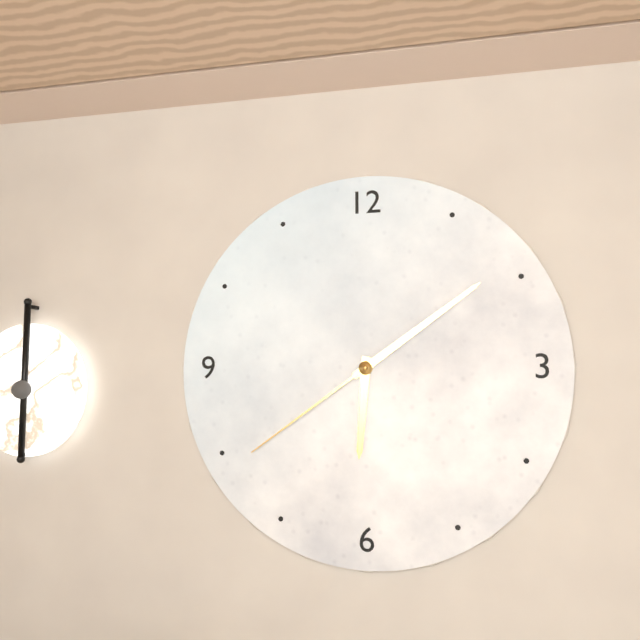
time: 6:09:39
